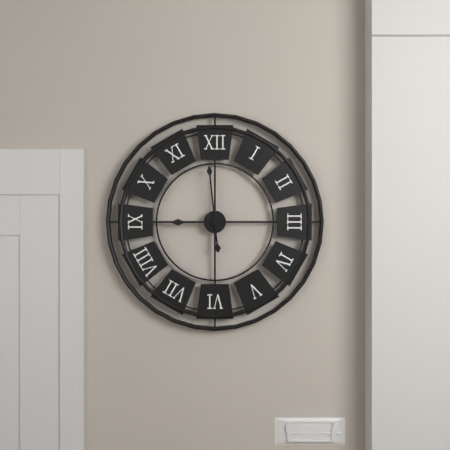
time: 8:59
